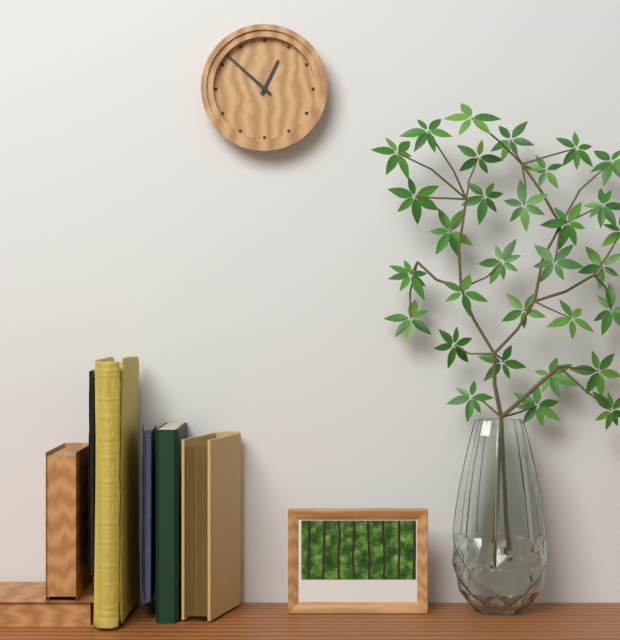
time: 12:52
